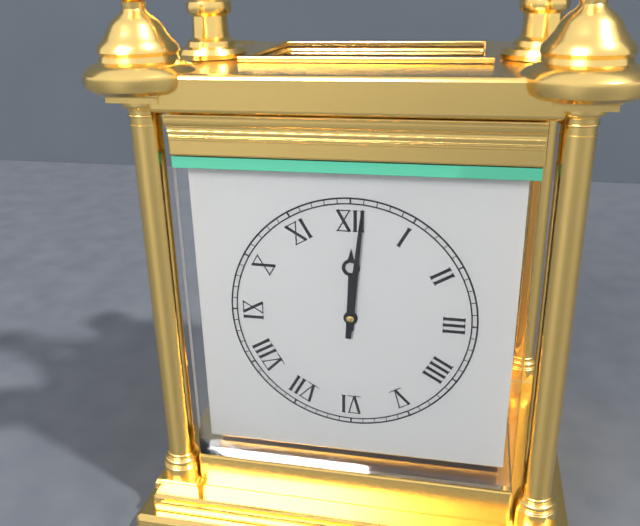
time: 12:01
